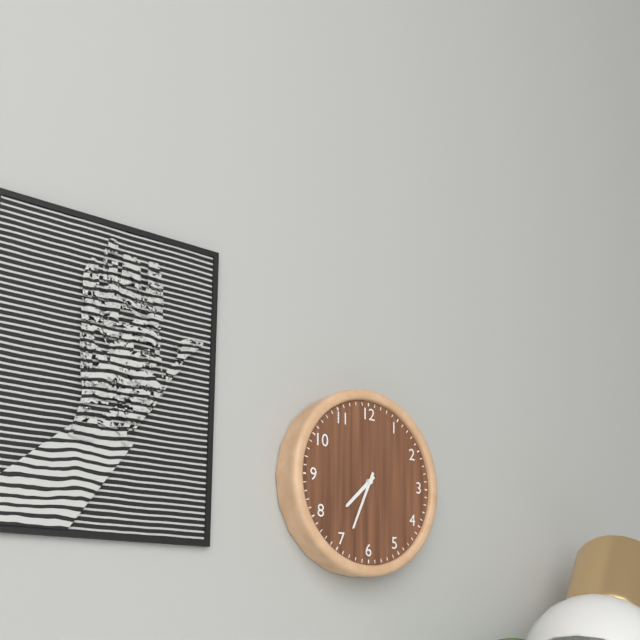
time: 7:34
